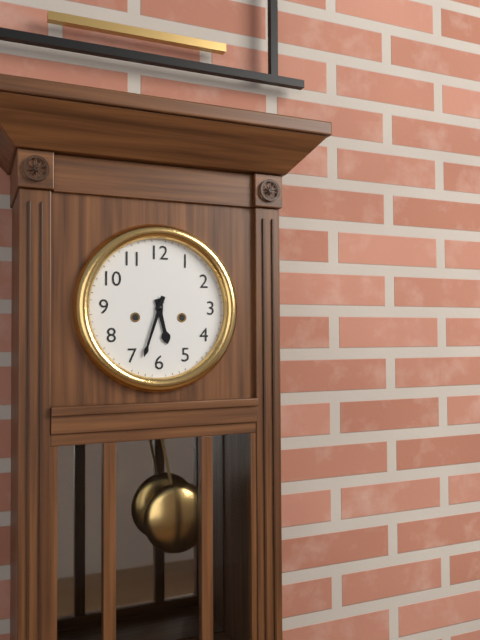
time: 5:33
